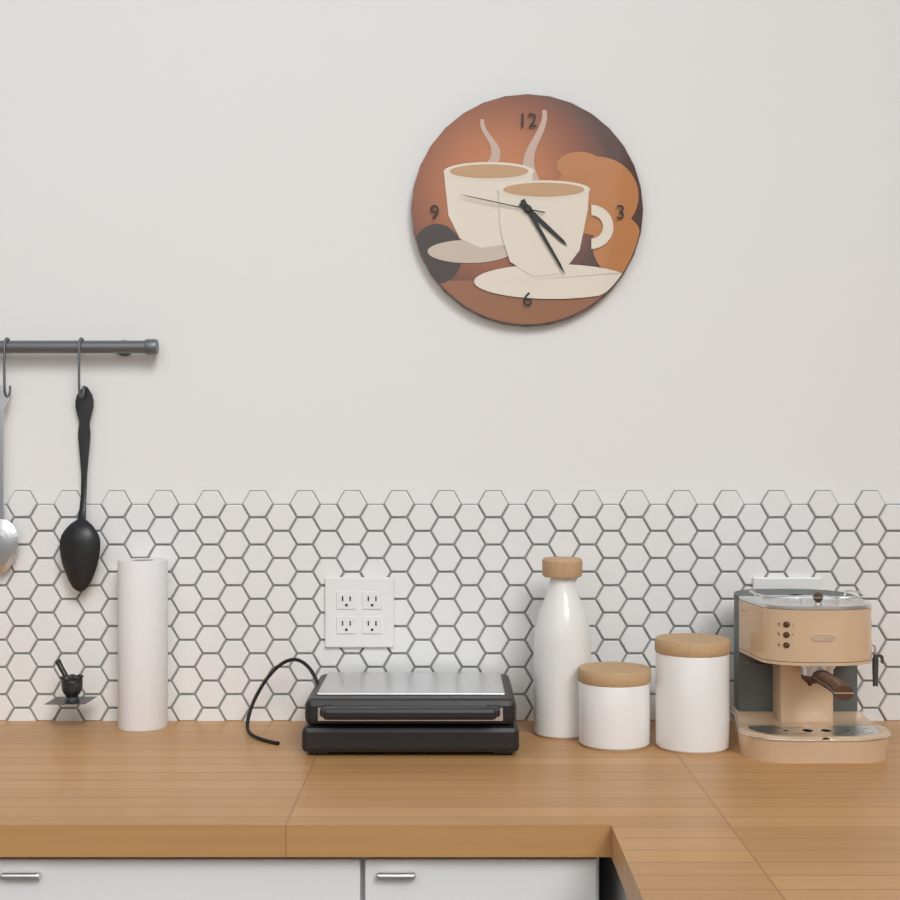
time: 4:25:47
